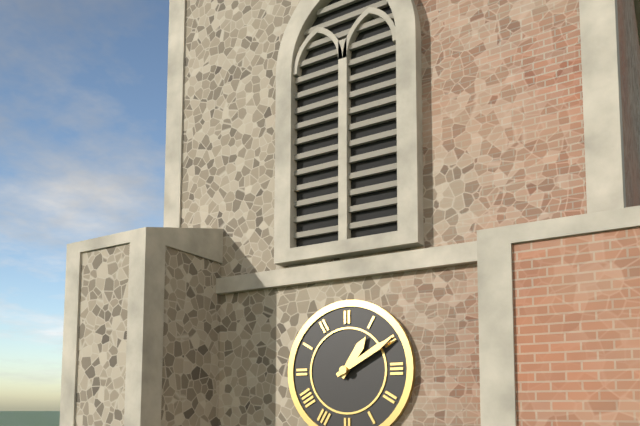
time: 1:10
